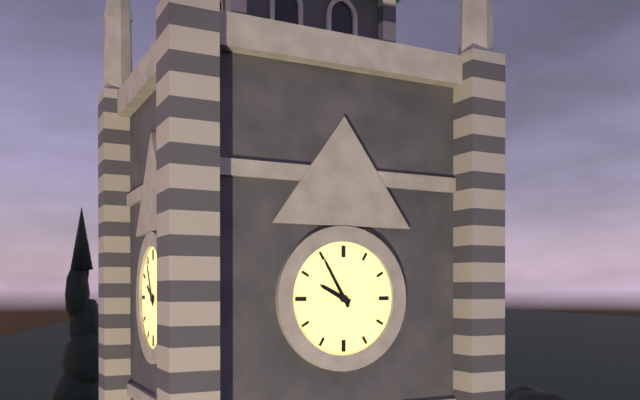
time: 9:55
